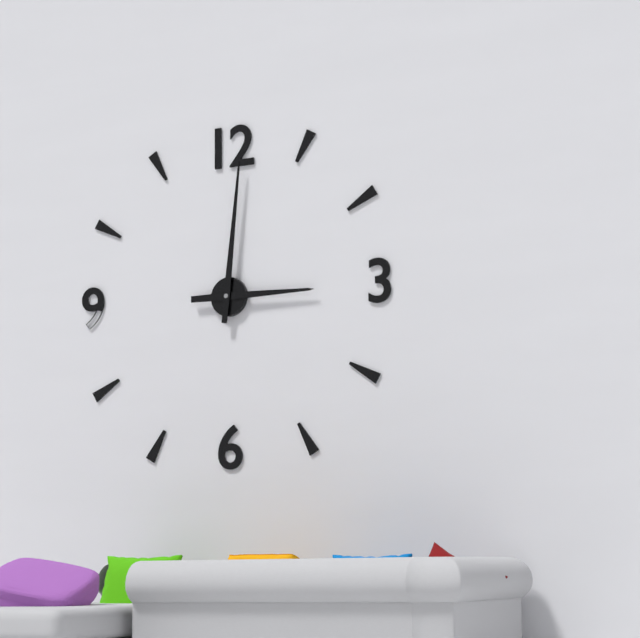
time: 3:01
